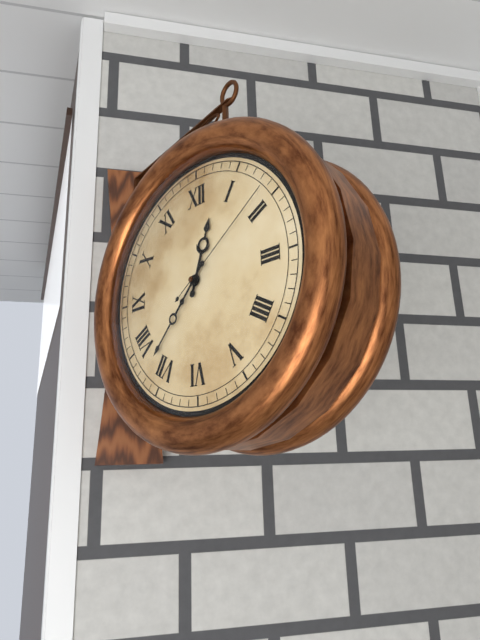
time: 12:37:09
